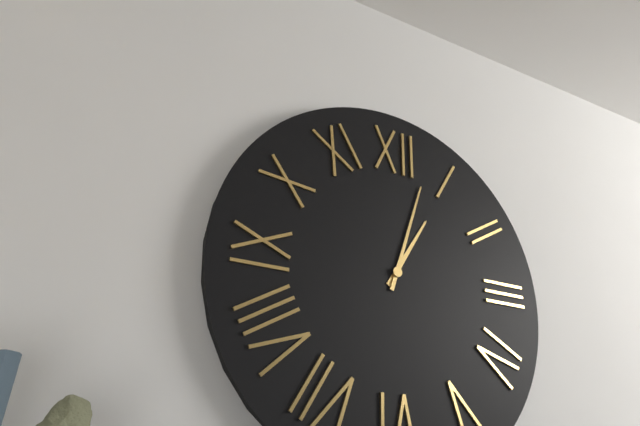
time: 1:03
